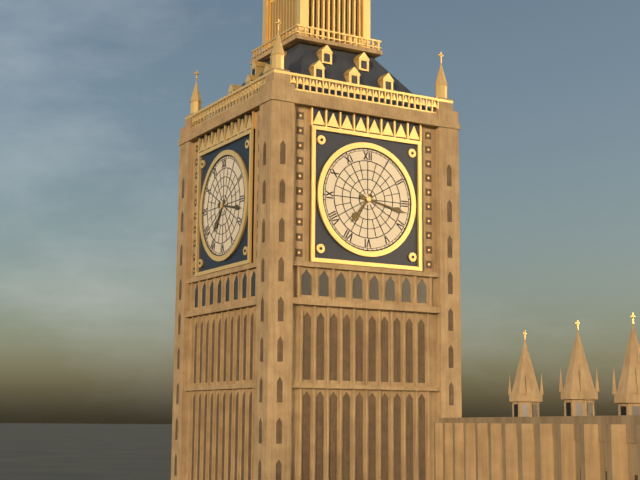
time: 7:17
